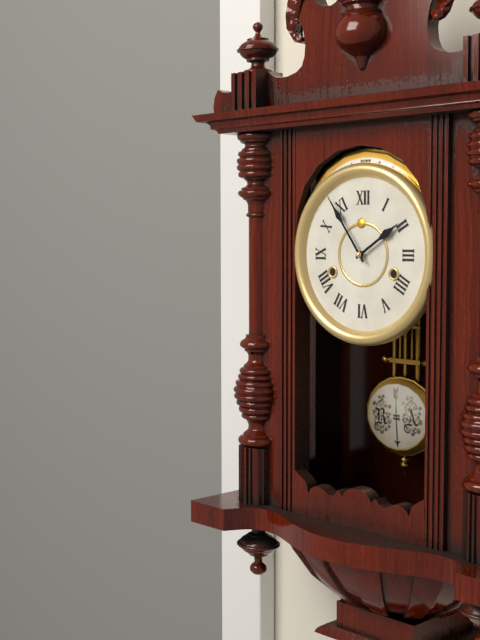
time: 1:54
